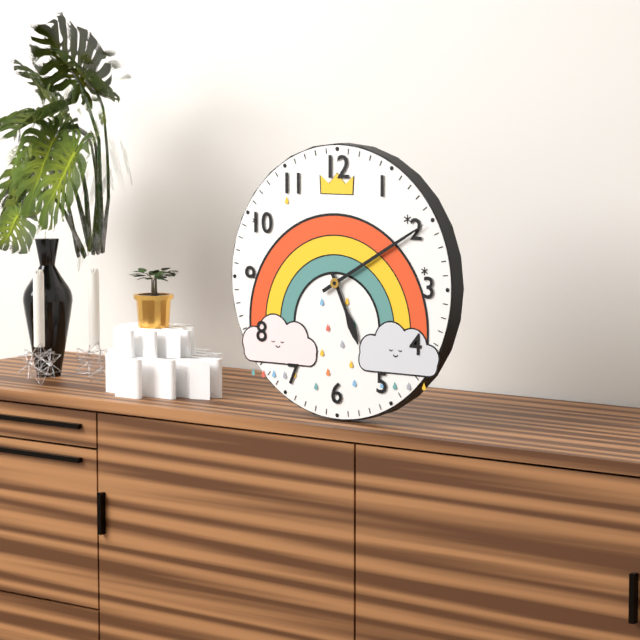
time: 5:10
